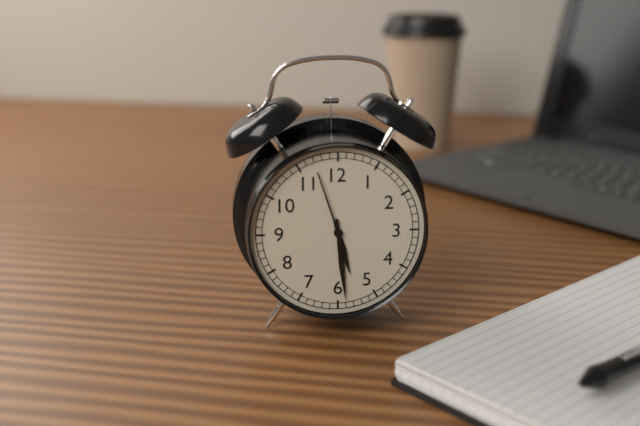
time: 5:29:57
